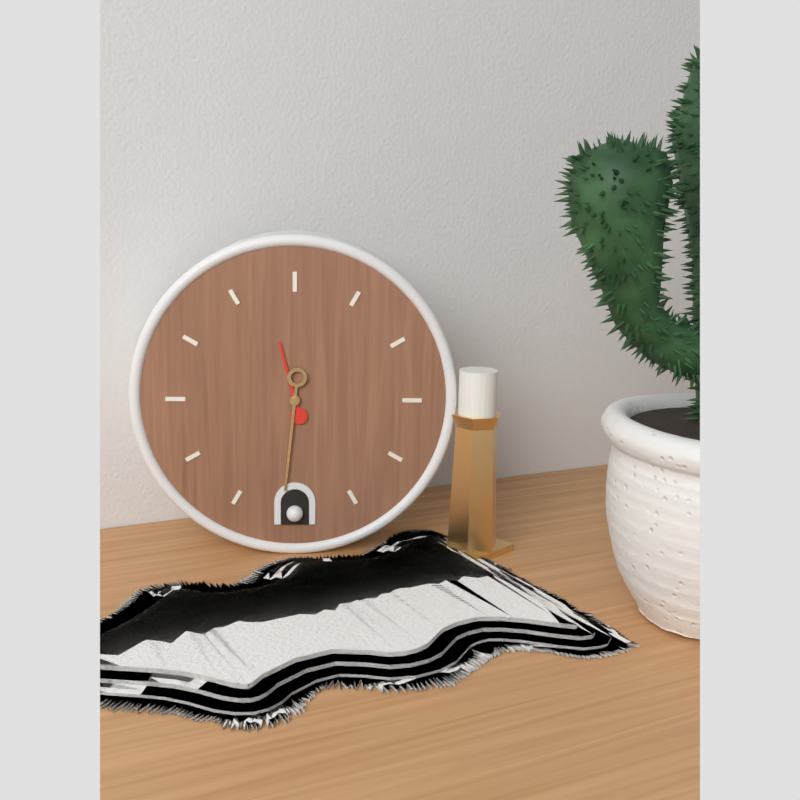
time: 11:31
